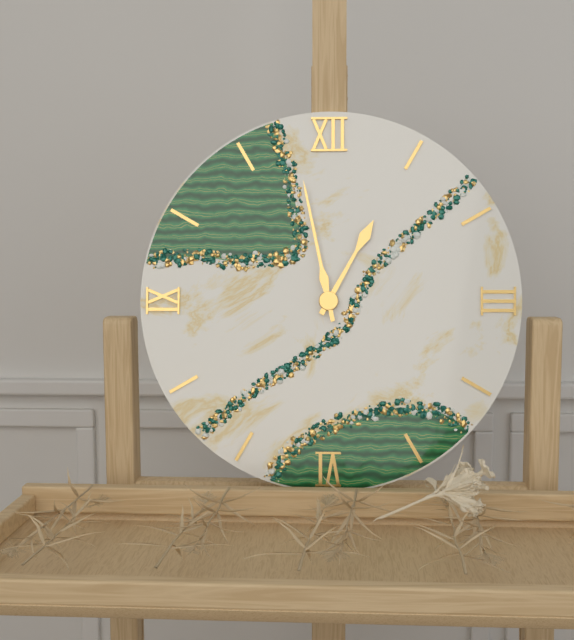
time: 12:58
